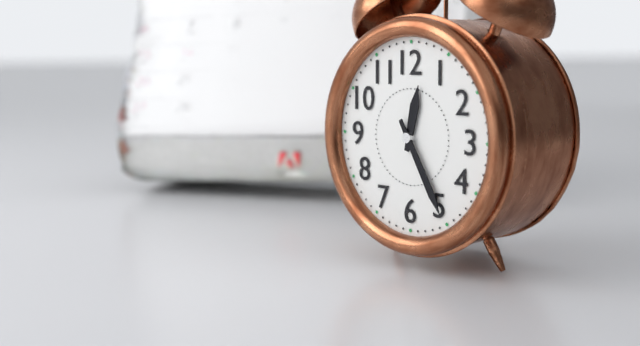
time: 12:25
